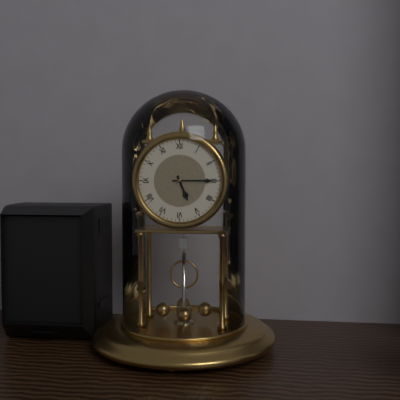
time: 5:15
